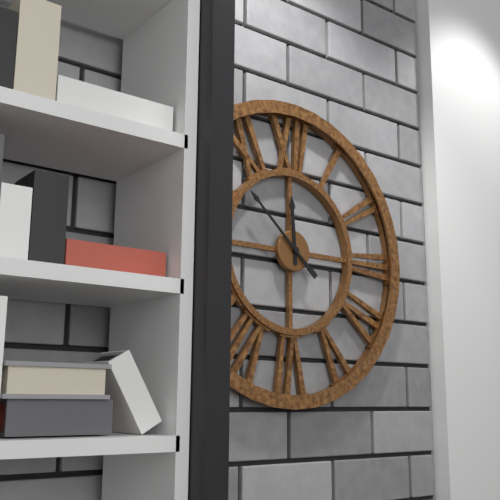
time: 11:52
